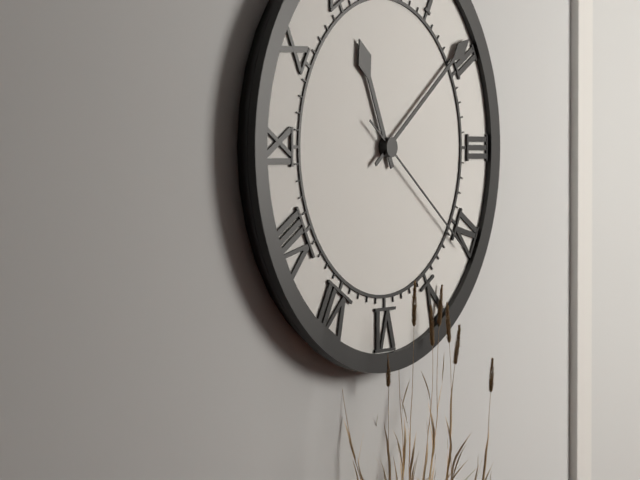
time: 11:09:21
